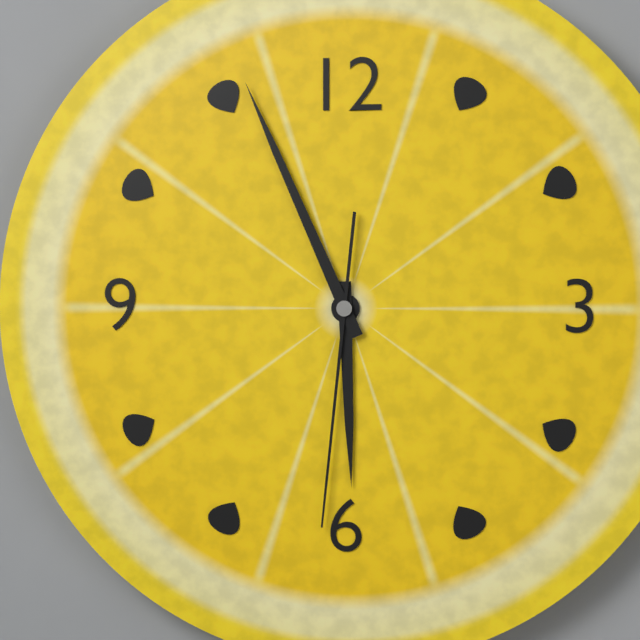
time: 5:56:31
